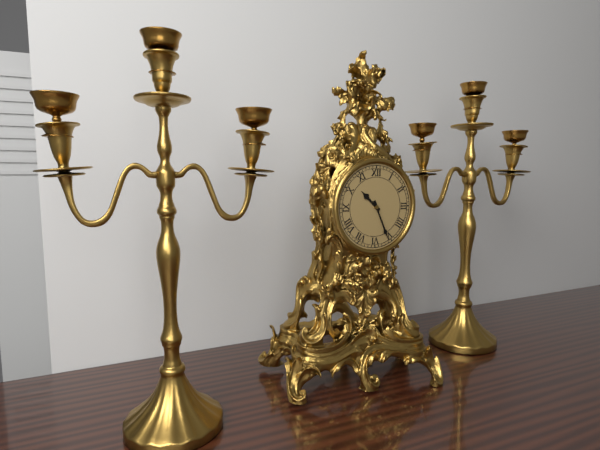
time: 10:26
